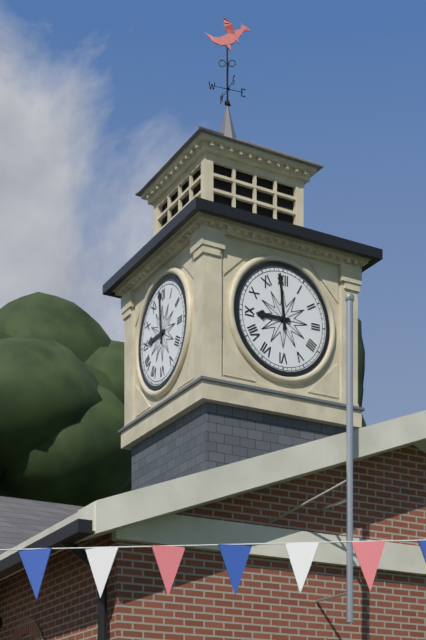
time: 8:59
